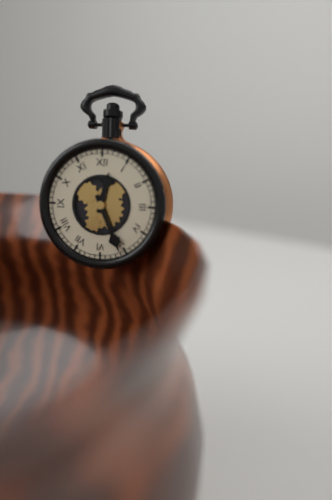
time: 12:26
